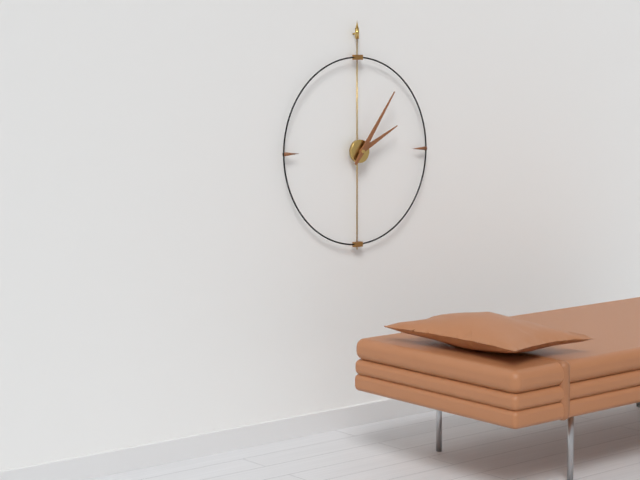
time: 2:06
